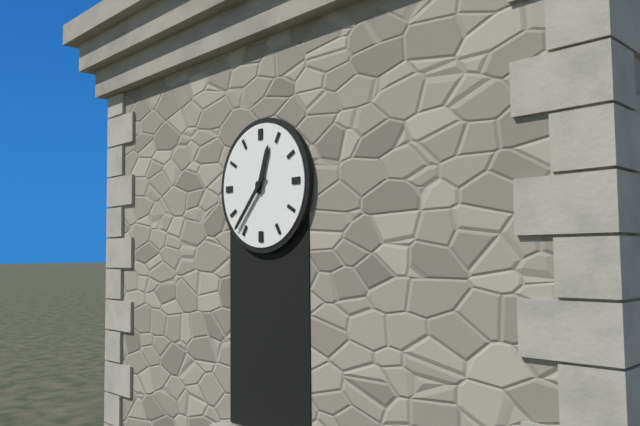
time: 12:37
